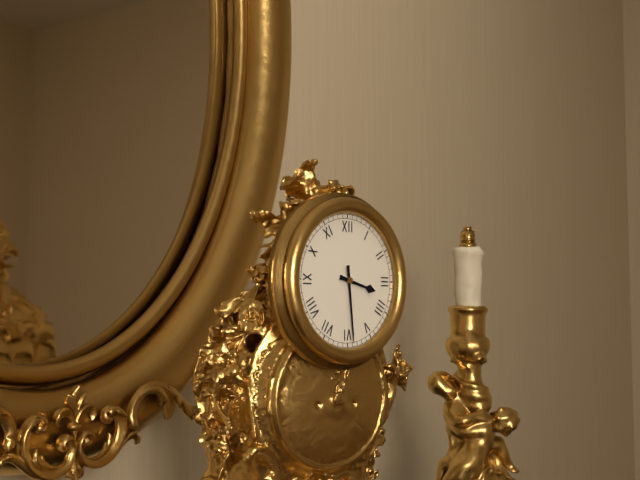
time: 3:29
